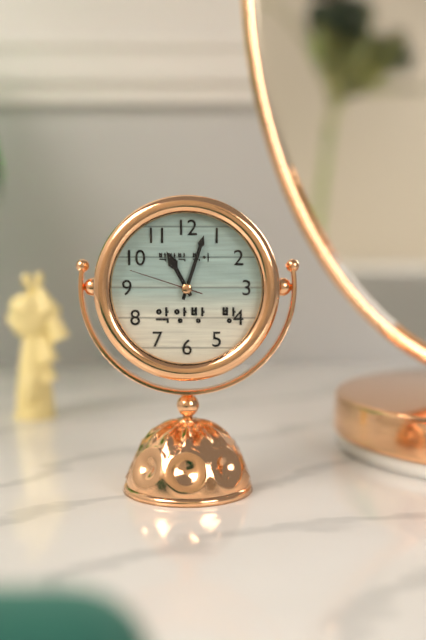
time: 11:03:48
